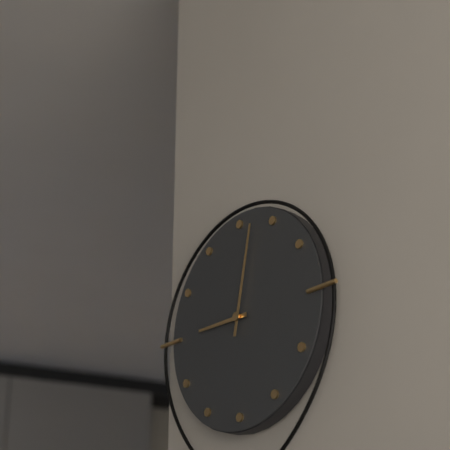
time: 9:02
